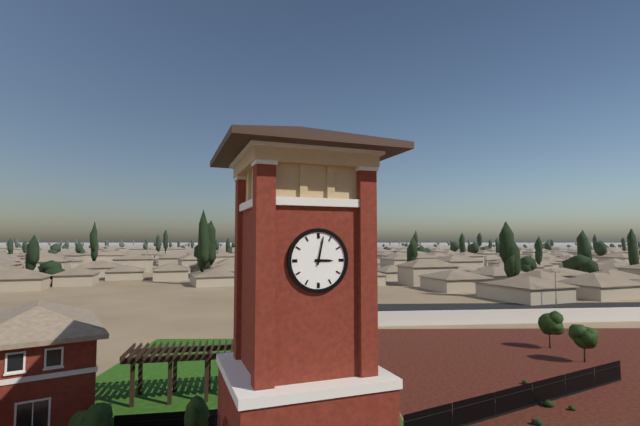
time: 3:02
